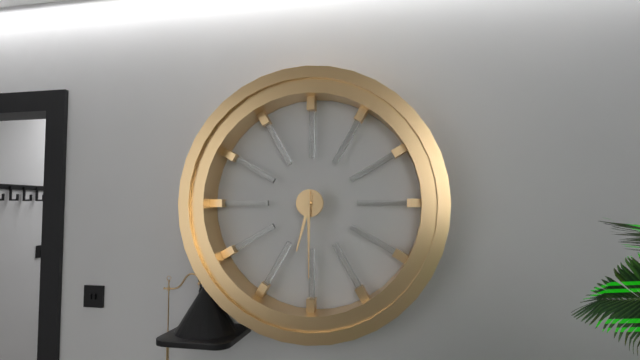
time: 6:30
